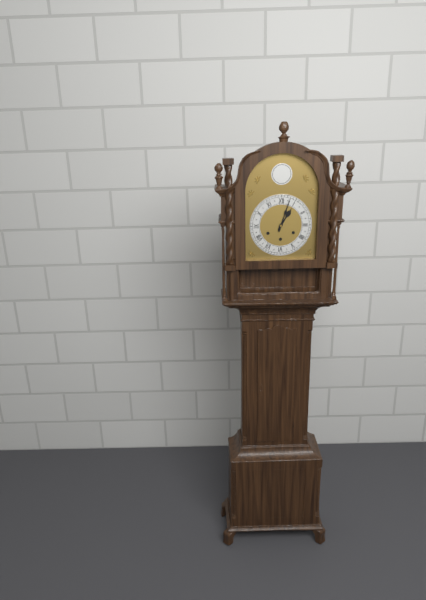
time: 1:03
